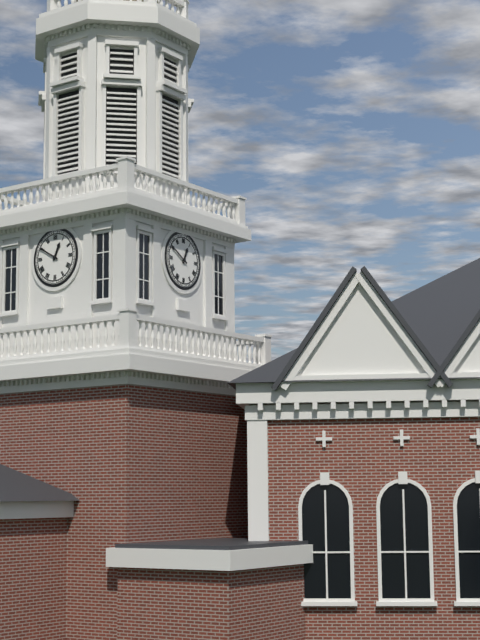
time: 12:50
